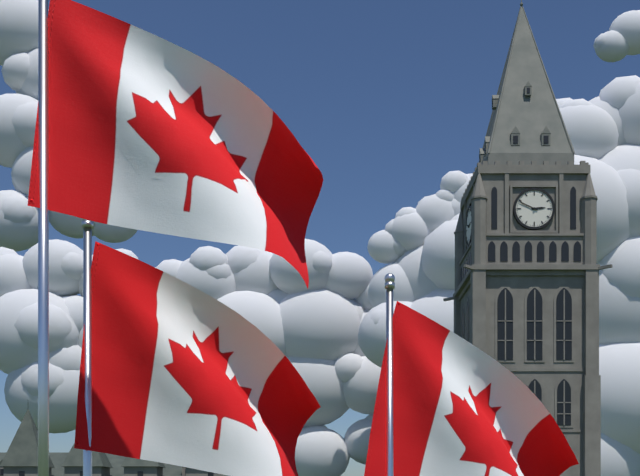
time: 2:49
